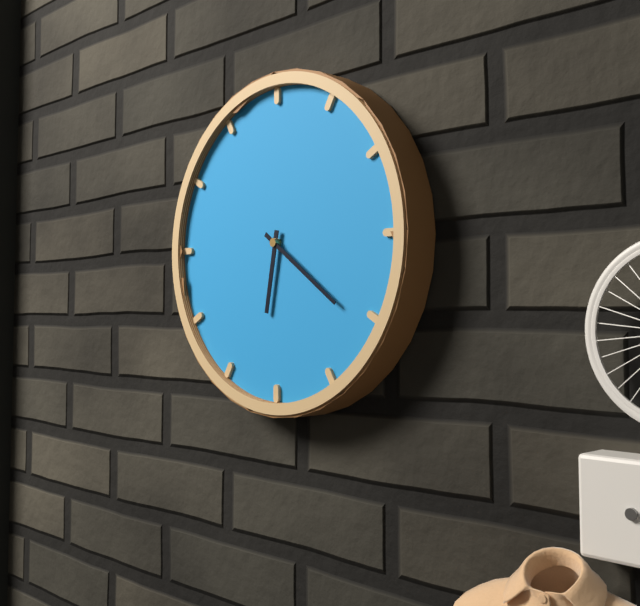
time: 6:21
